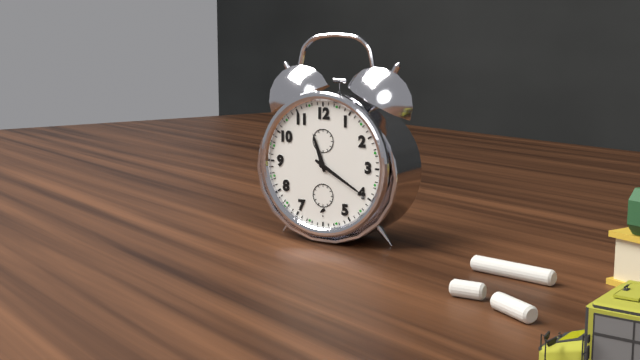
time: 11:20
